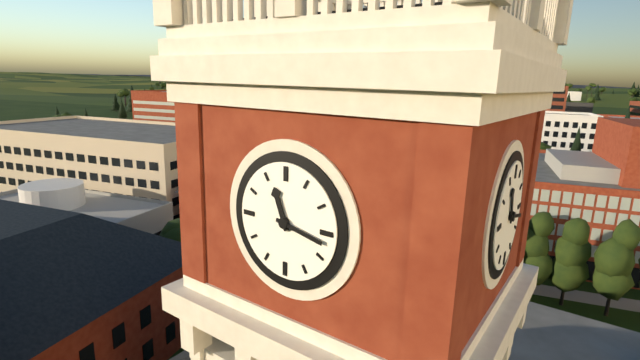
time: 11:17
